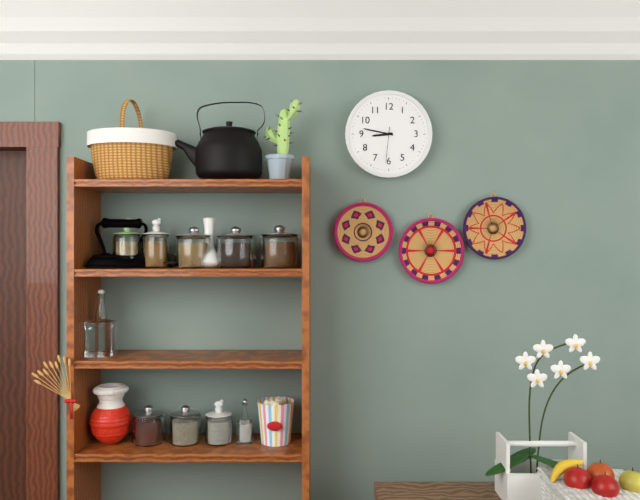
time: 8:47
